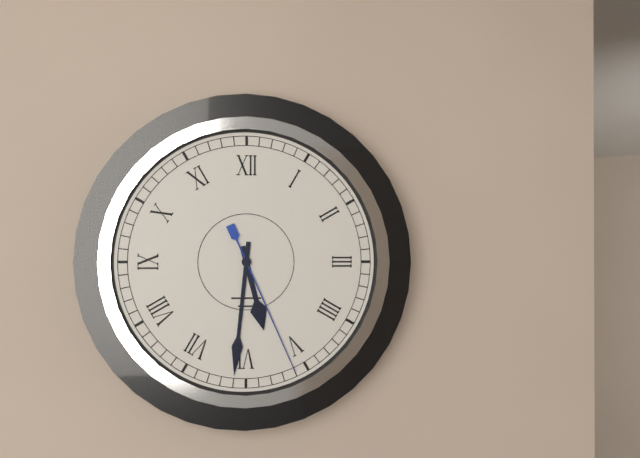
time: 5:31:26
